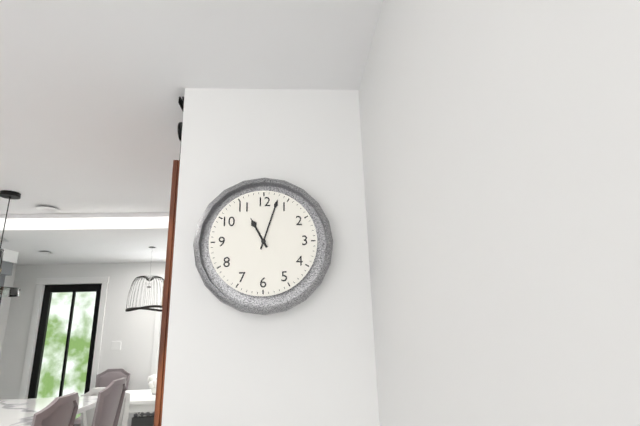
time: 11:03
